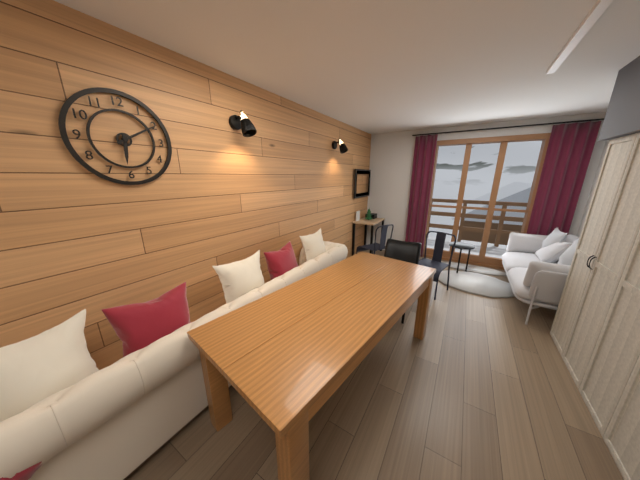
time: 6:10
